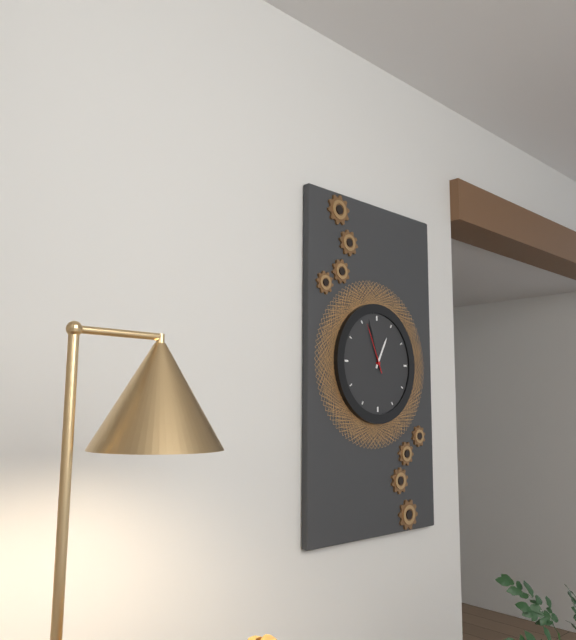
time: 12:57:56
